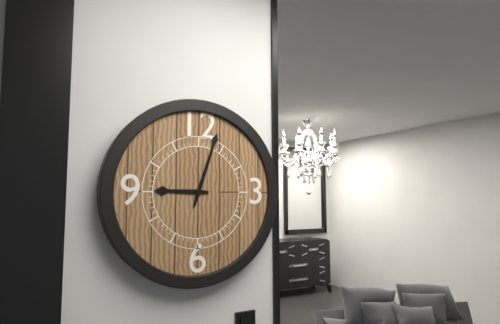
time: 9:03
